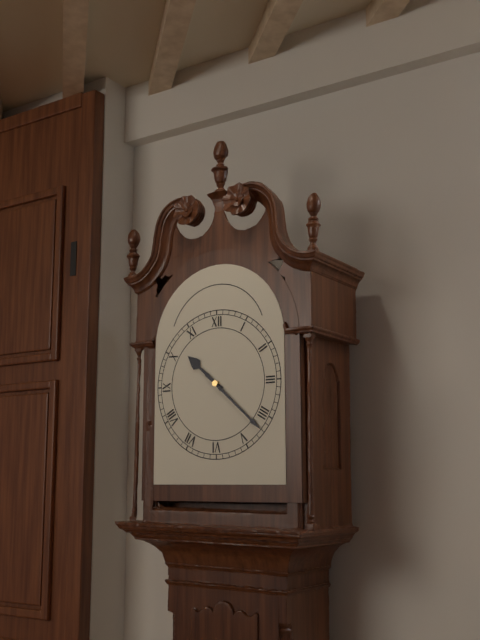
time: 10:22
